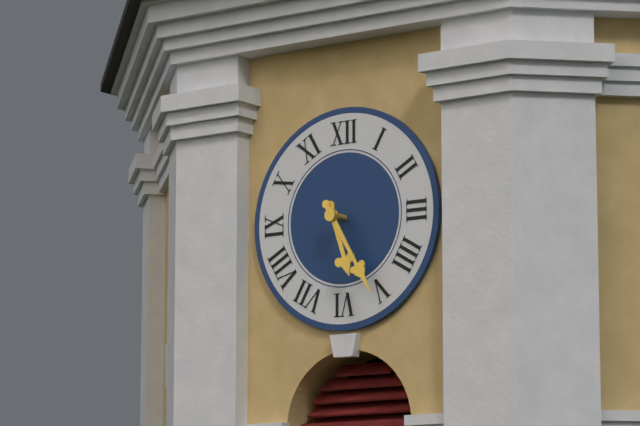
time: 5:25
